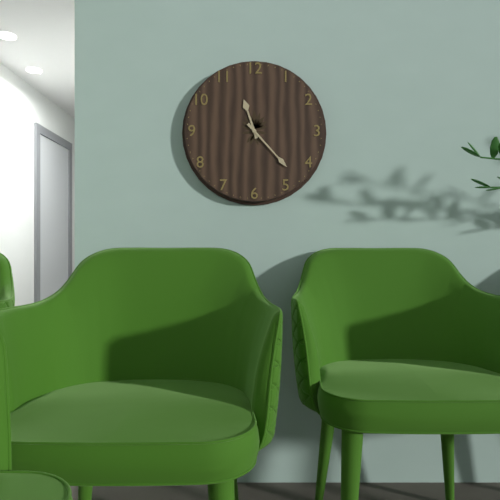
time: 11:23
